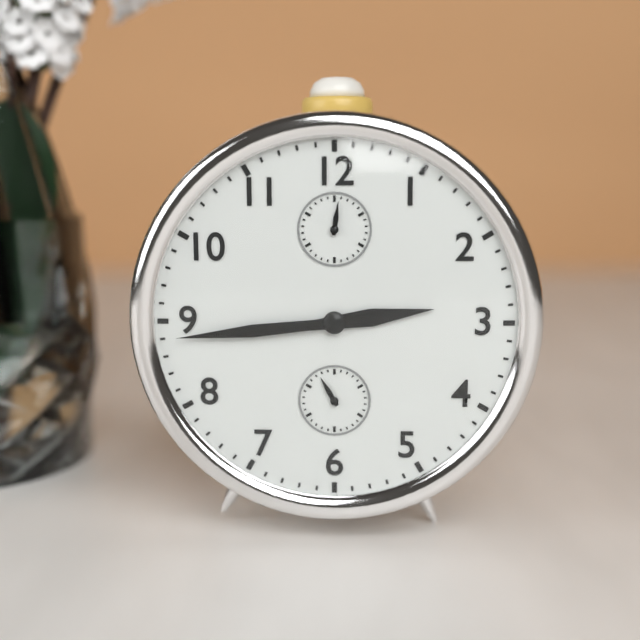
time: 2:44
